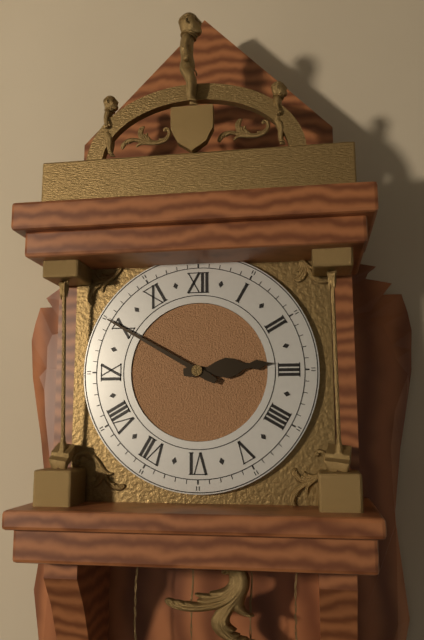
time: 2:50
